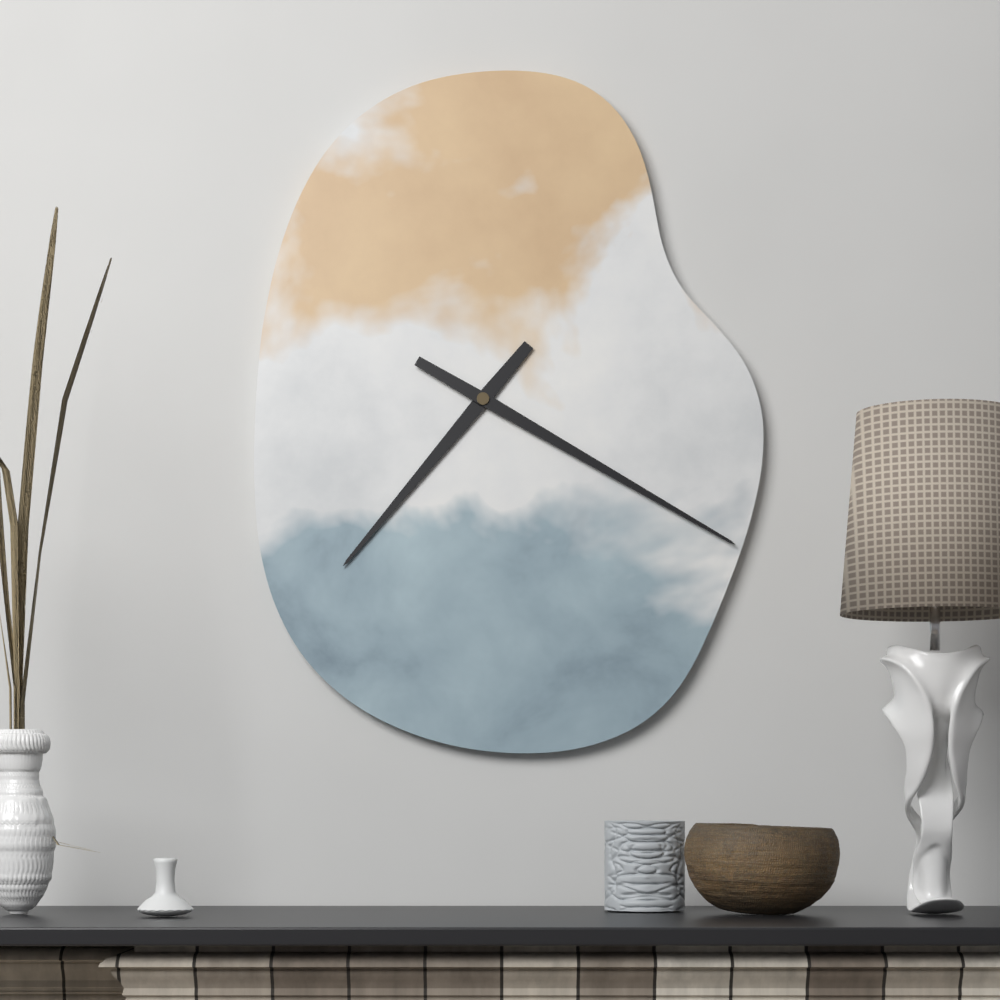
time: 7:20
